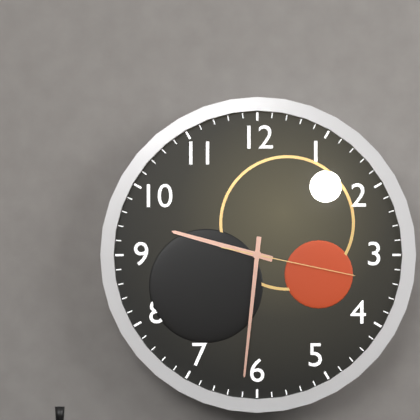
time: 9:31:17
